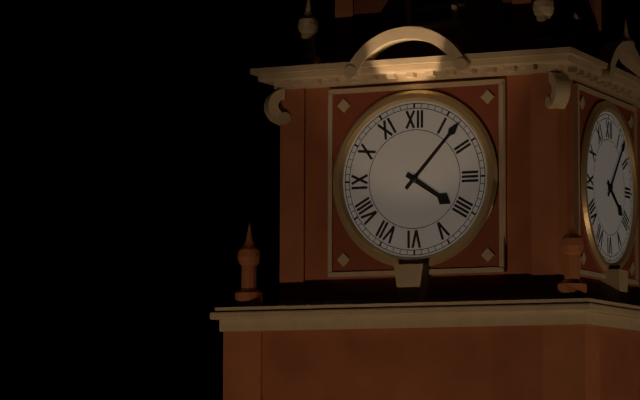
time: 4:07
